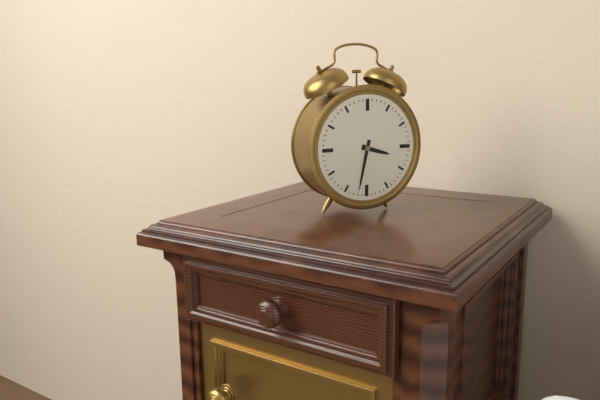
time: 3:32
